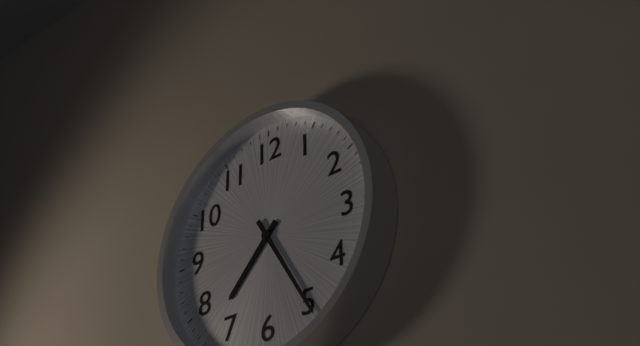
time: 7:25
